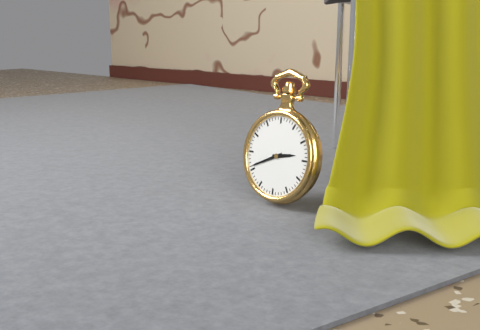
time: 2:41
